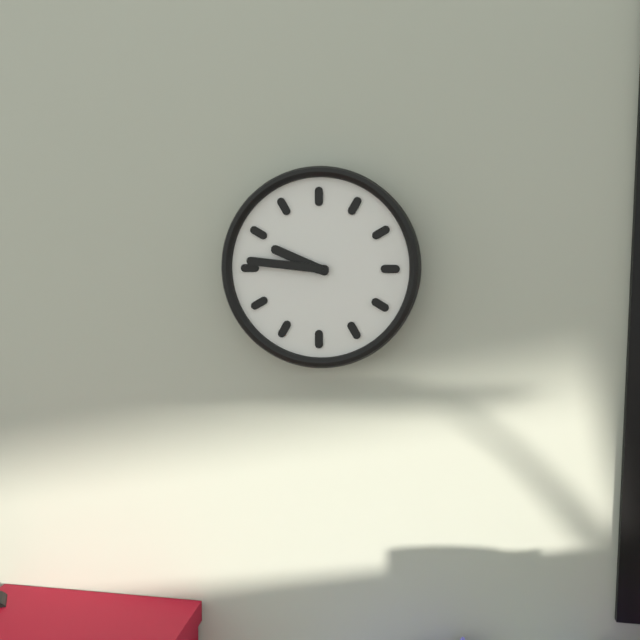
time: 9:46
